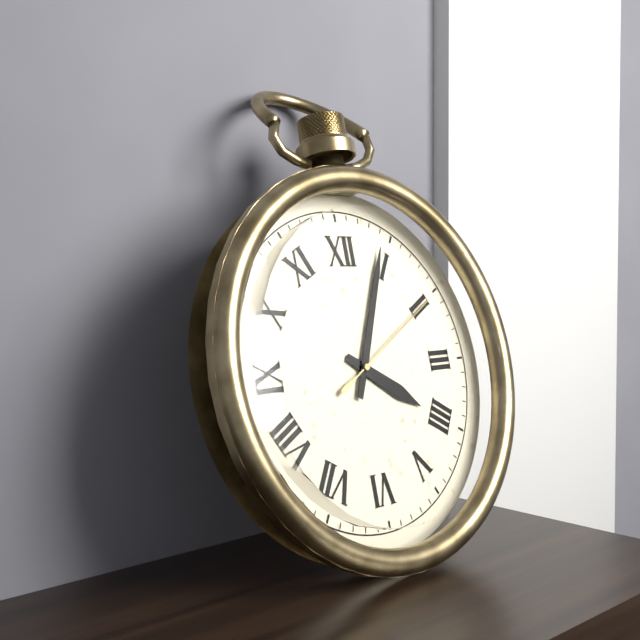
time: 4:04:10
